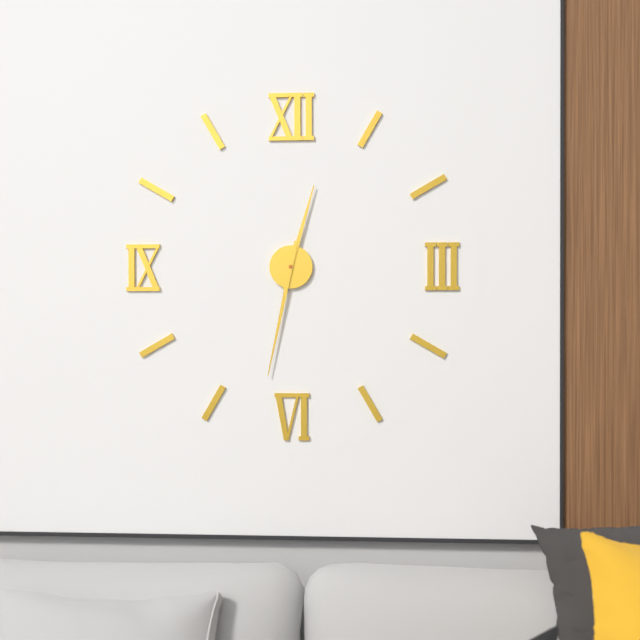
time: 12:32
